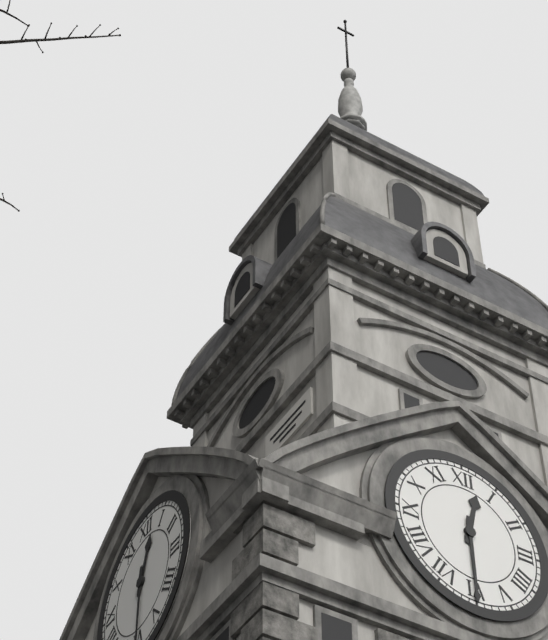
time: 12:30
